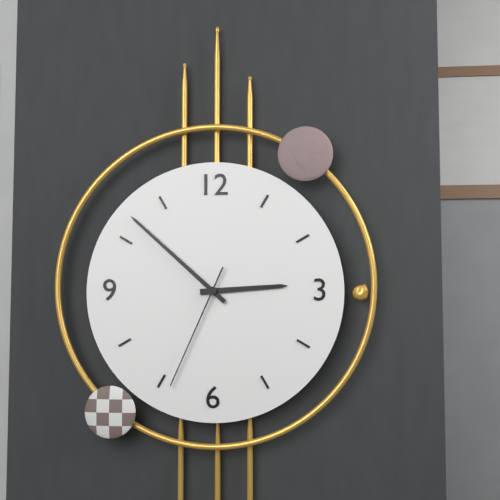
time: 2:52:34
